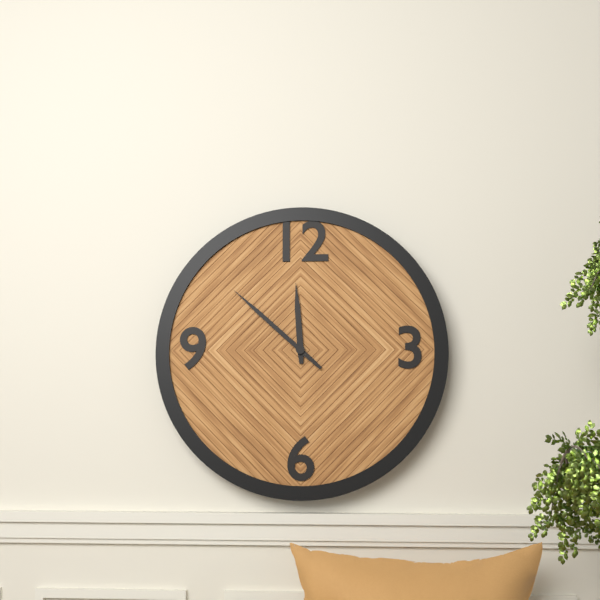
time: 11:52
